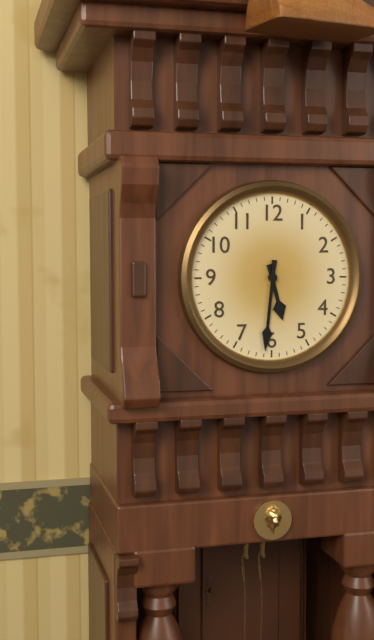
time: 5:31
